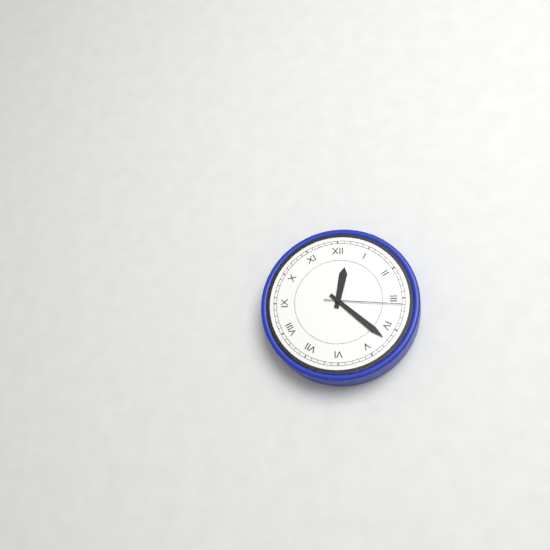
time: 12:22:16
